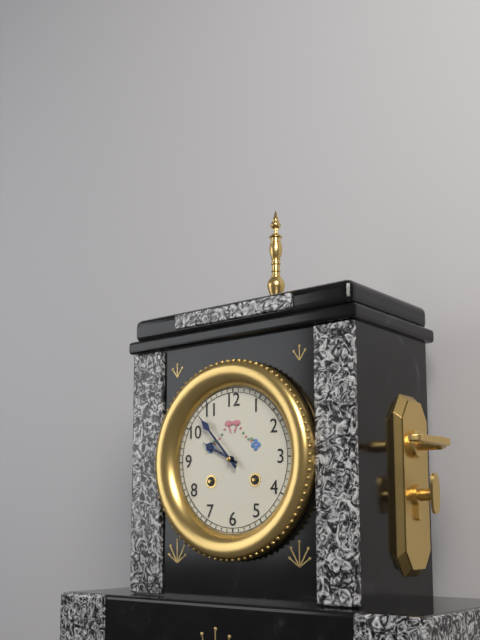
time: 9:53
